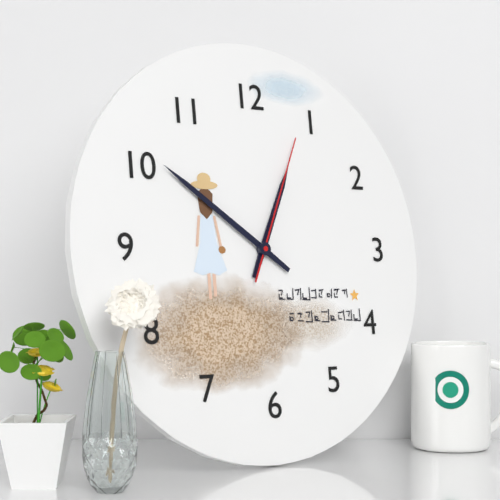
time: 12:51:04
